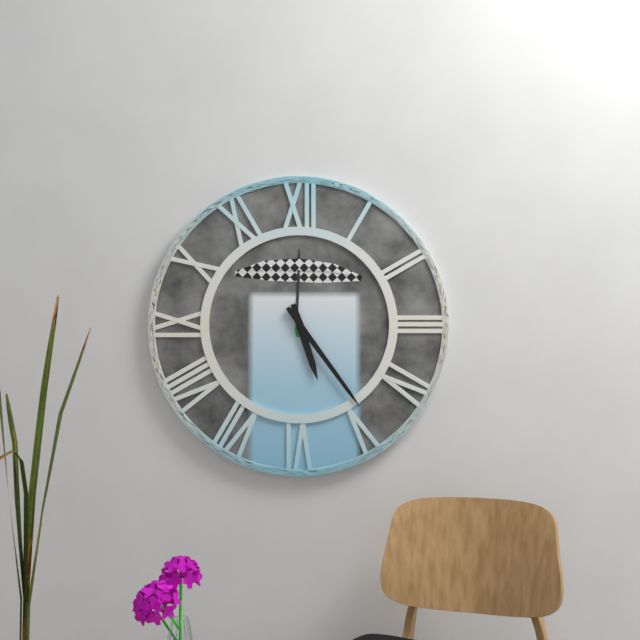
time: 5:24
